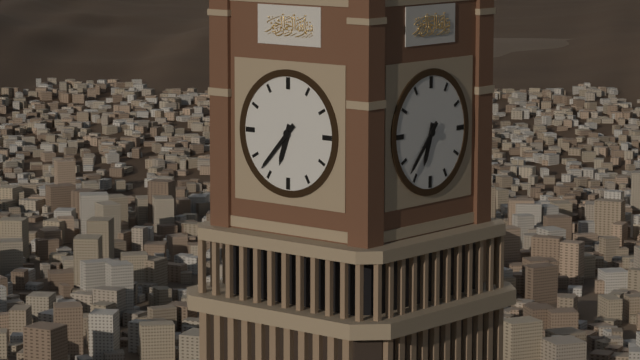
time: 6:37
